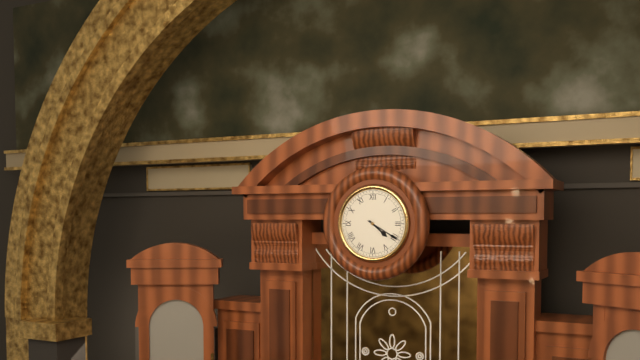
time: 4:20
